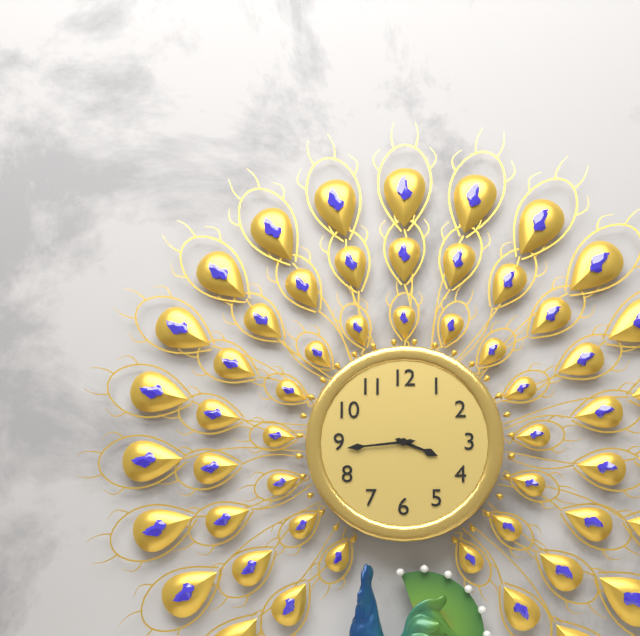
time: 3:44
